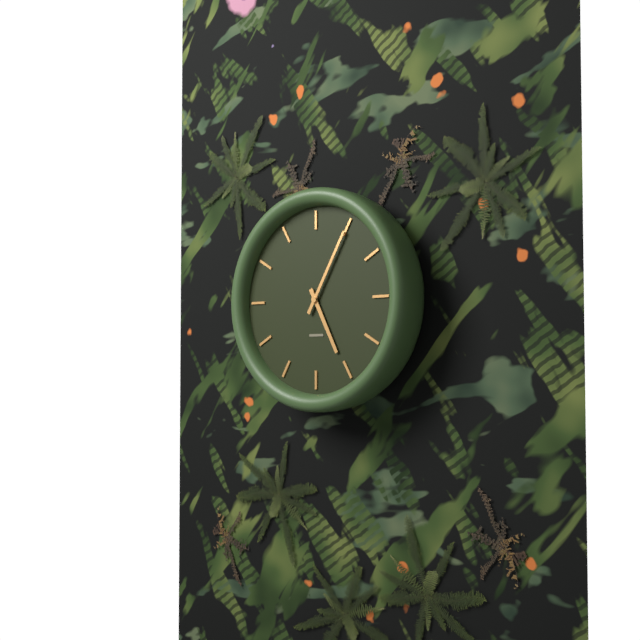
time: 5:05
